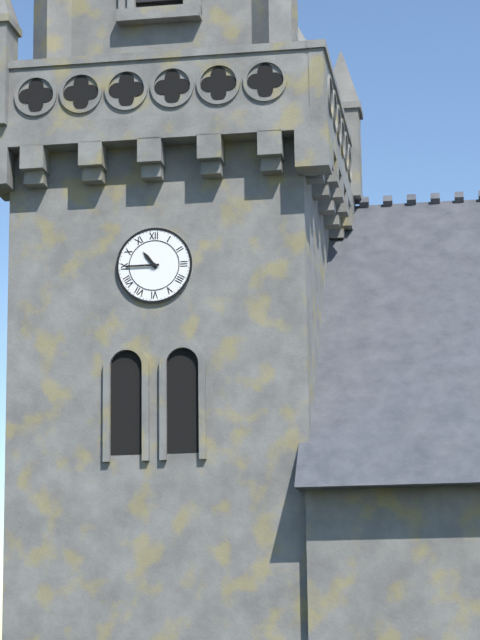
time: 10:45
